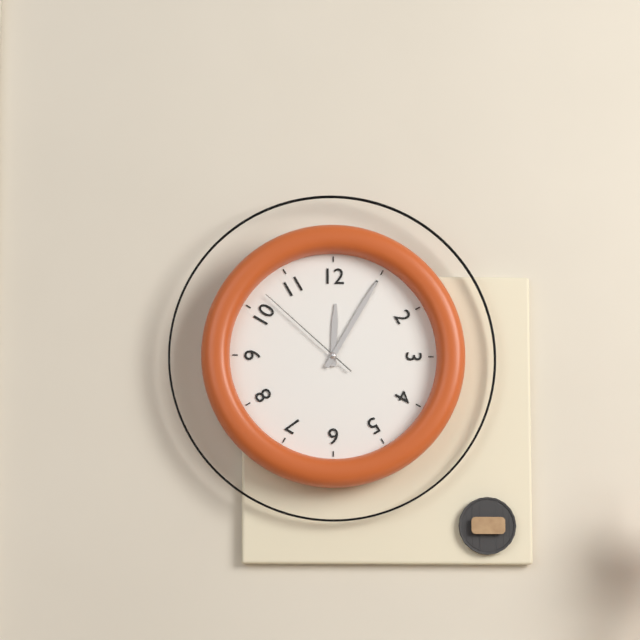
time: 12:05:52
